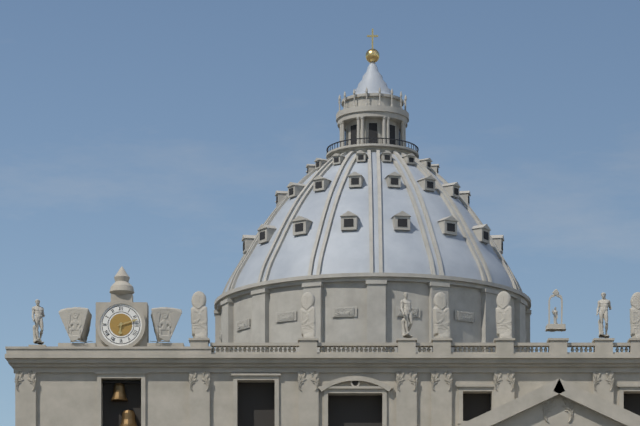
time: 6:12
